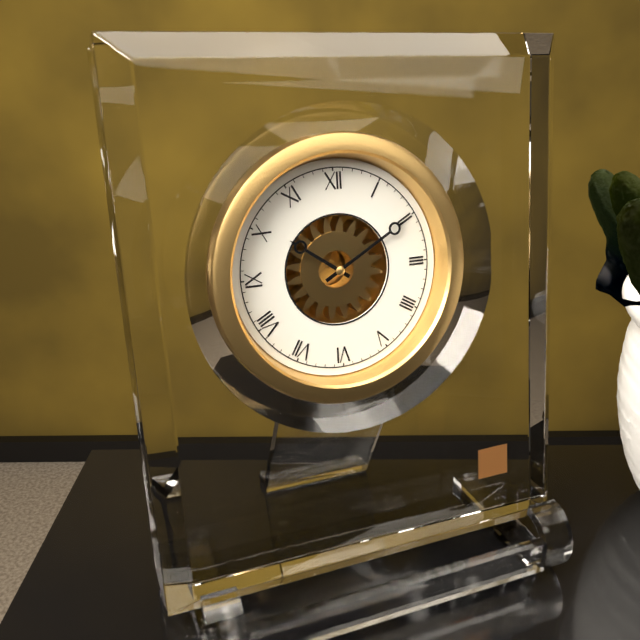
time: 10:10
